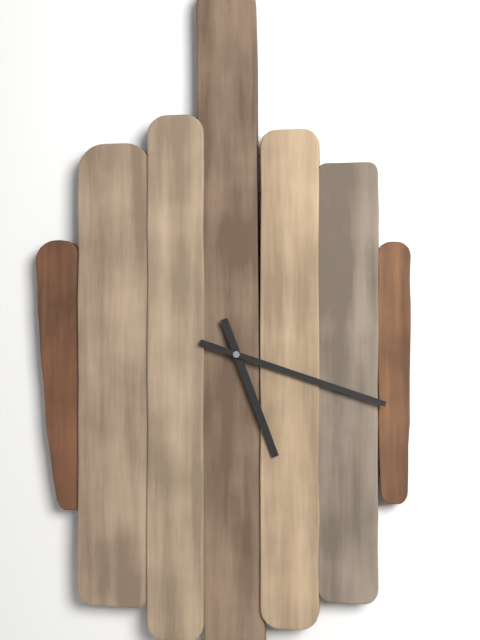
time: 5:18
